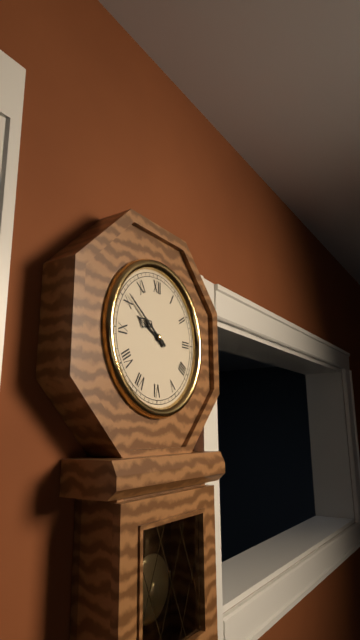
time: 9:51
